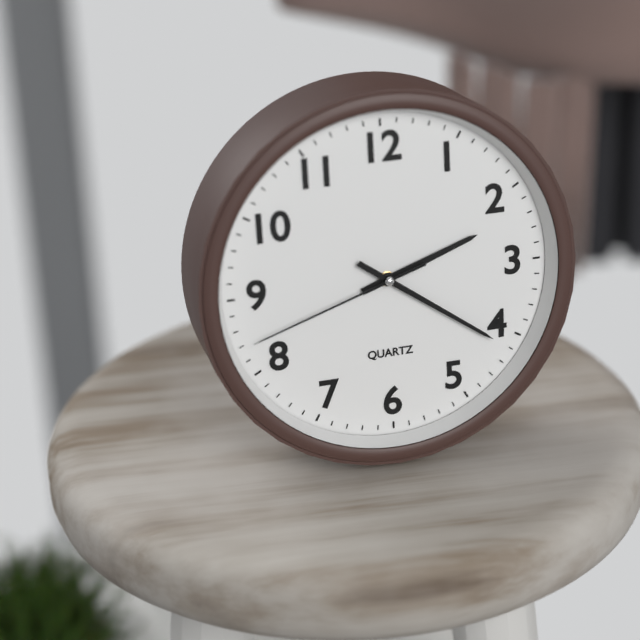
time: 2:21:42
